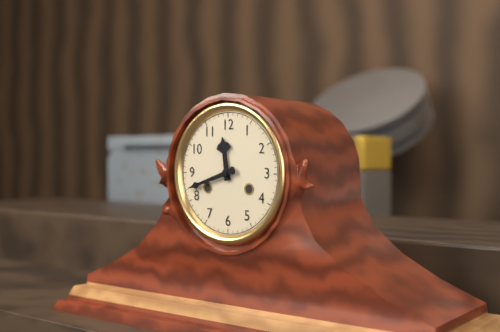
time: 11:42
